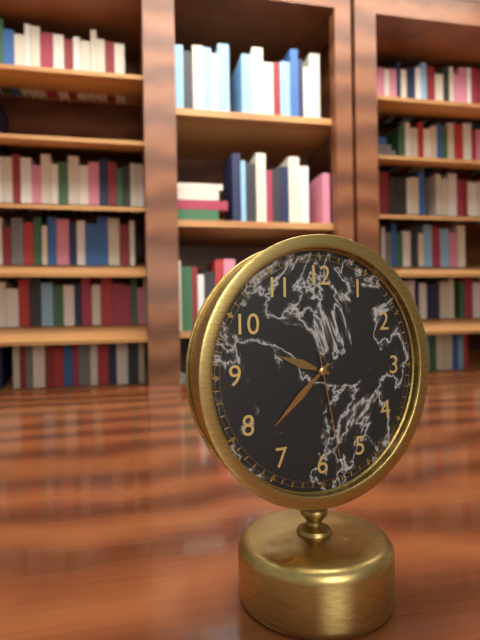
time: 9:38:28
